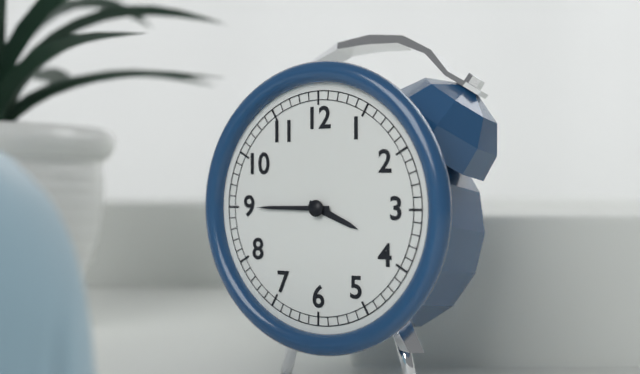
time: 3:45
